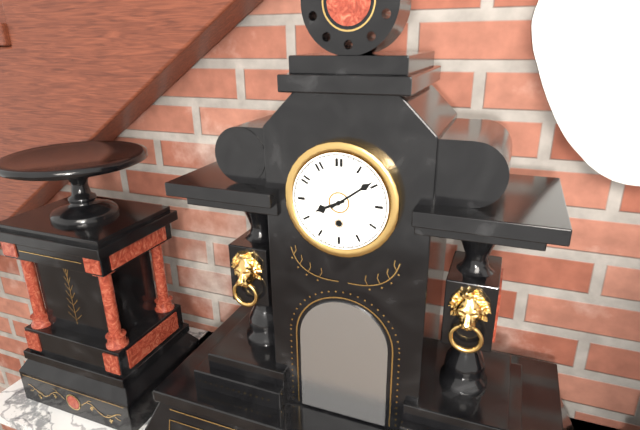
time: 8:09
